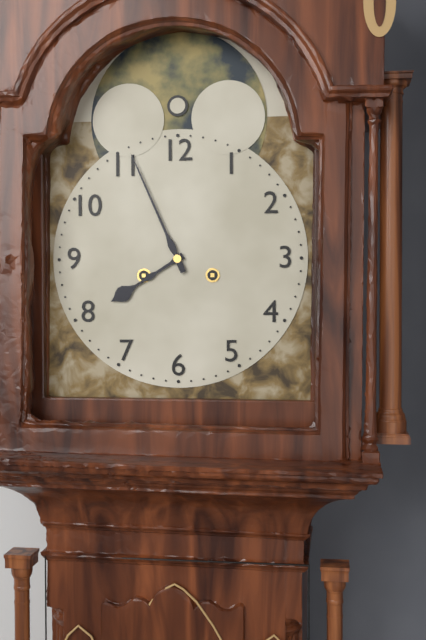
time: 7:56
